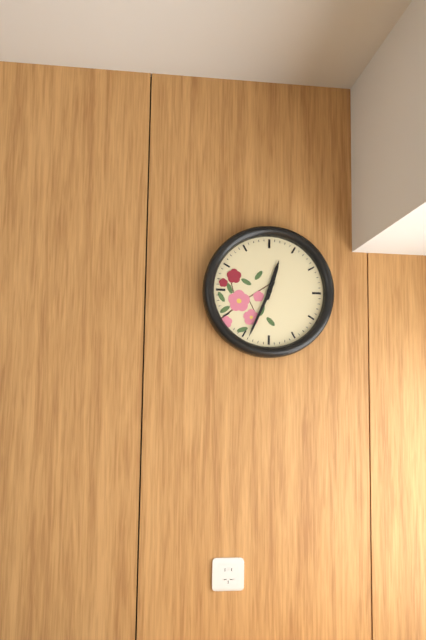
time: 12:34
